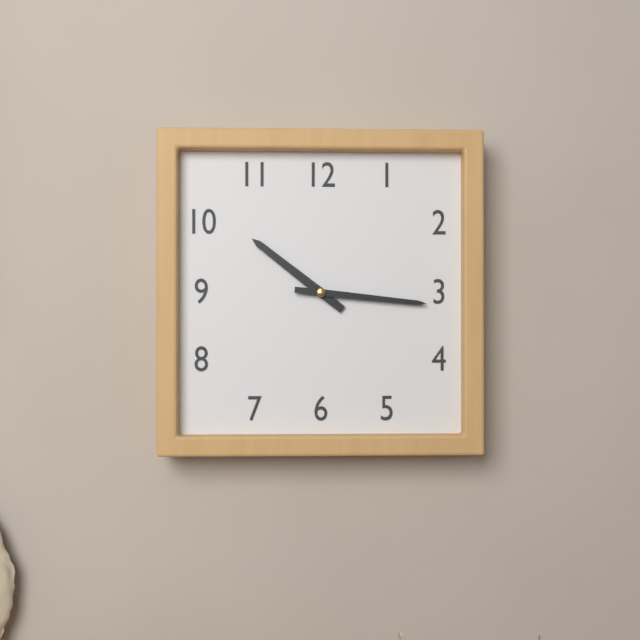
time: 10:16
